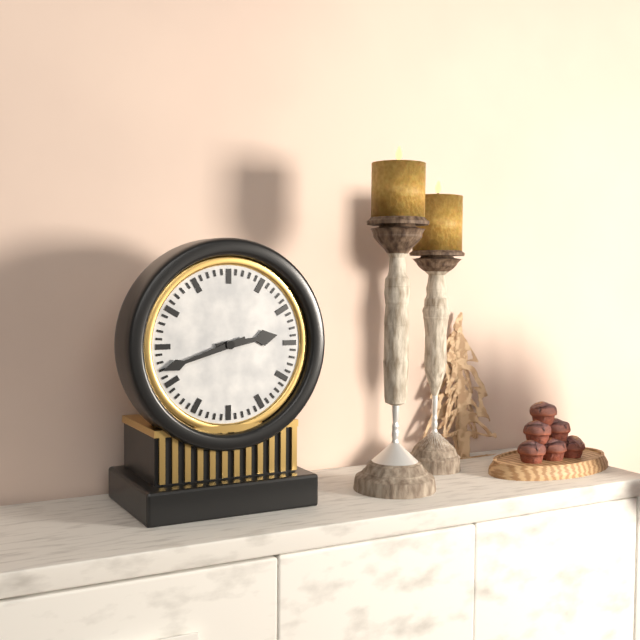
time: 2:42
